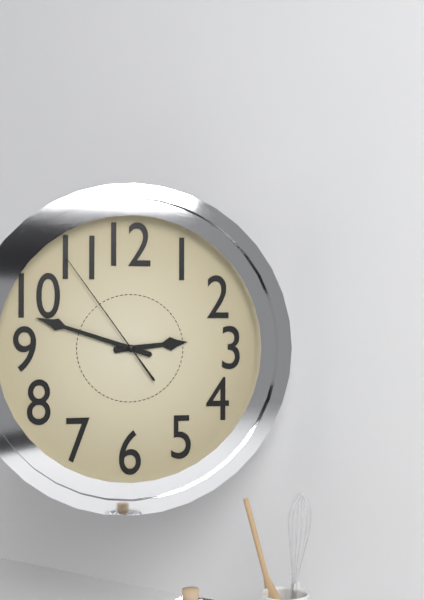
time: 2:48:54
